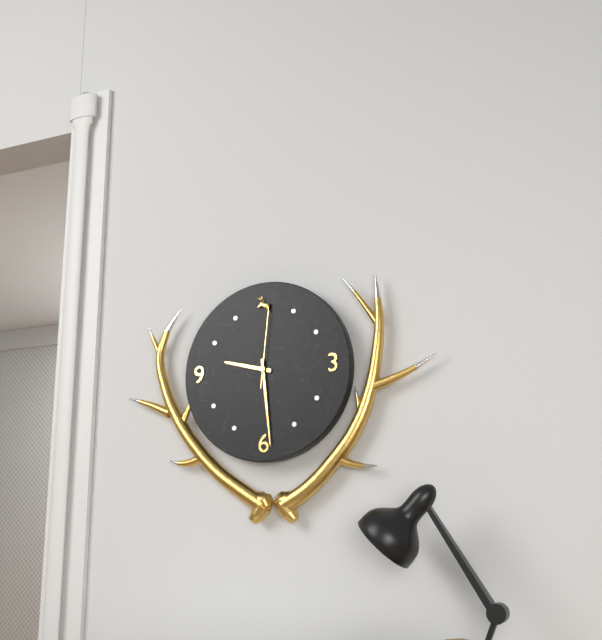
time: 9:29:01
